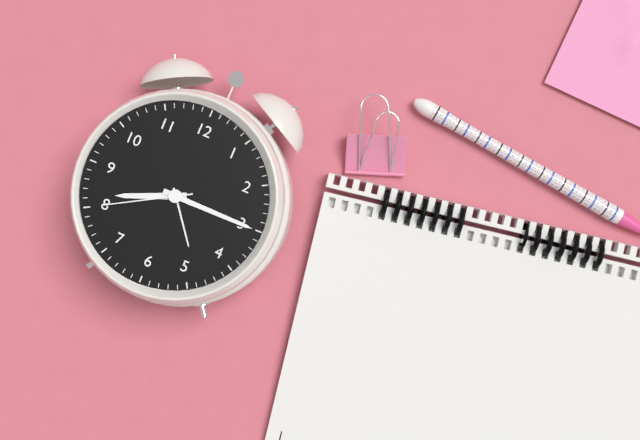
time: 8:15:40
